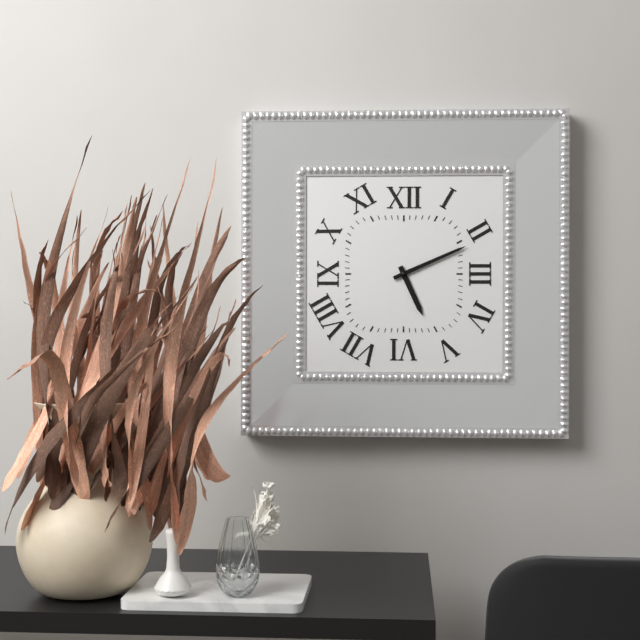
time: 5:11
